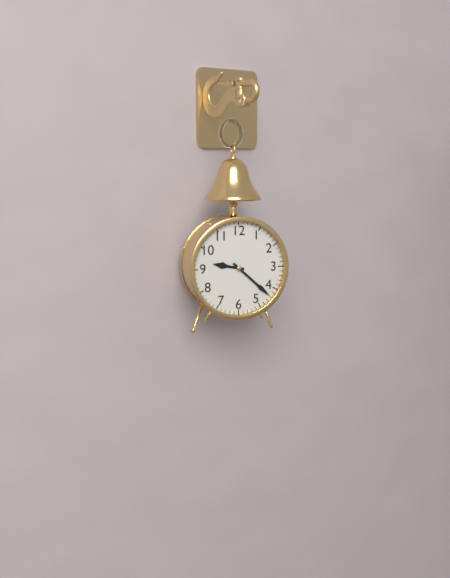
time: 9:22
